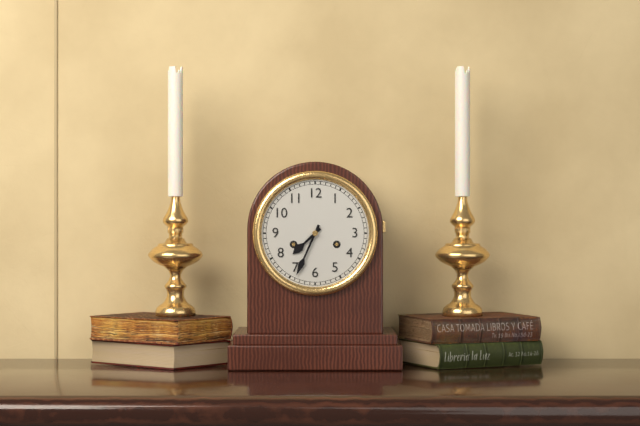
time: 7:34
